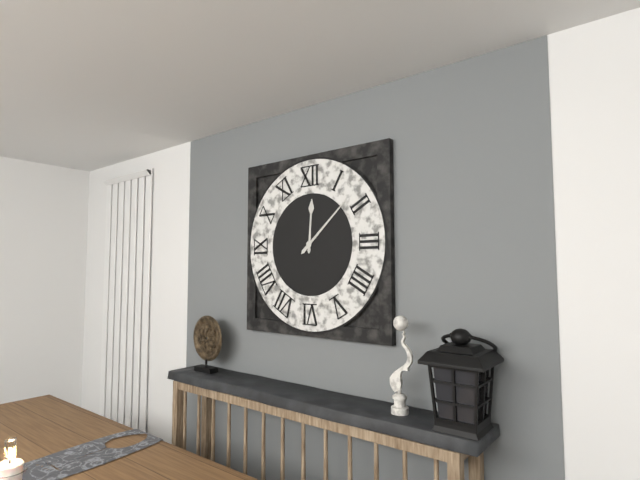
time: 12:08
